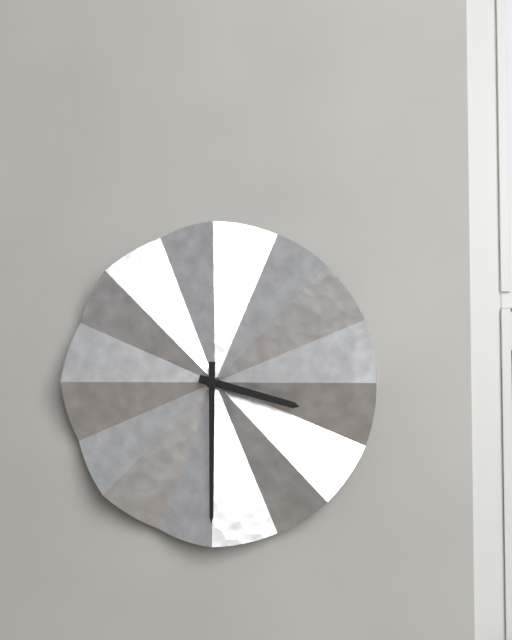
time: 3:30
